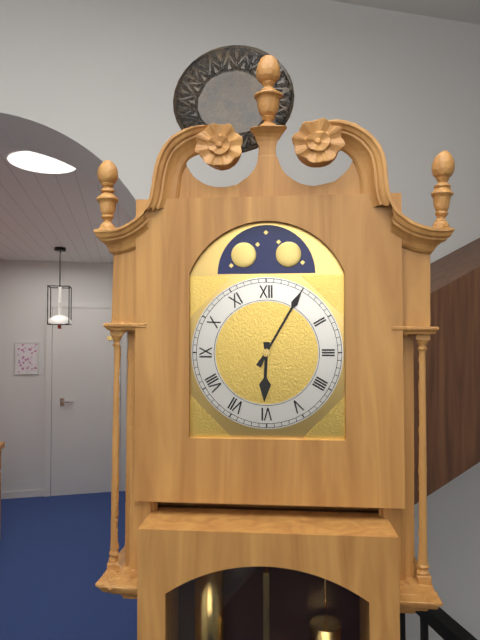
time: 6:05
